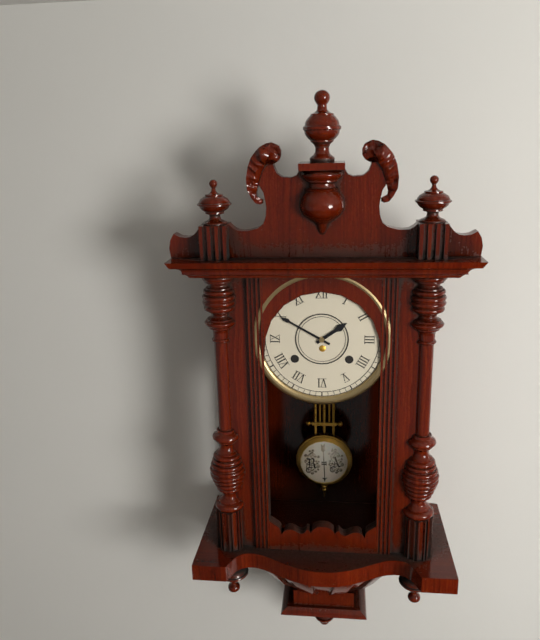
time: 1:50
